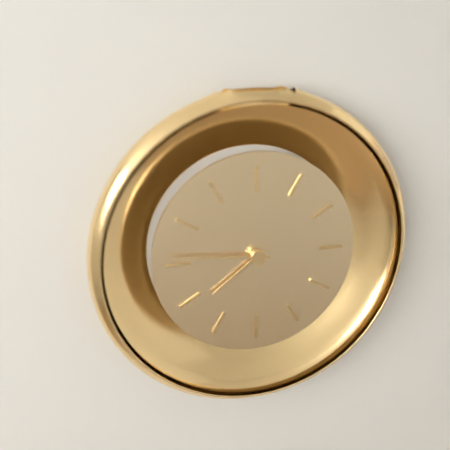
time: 7:46
